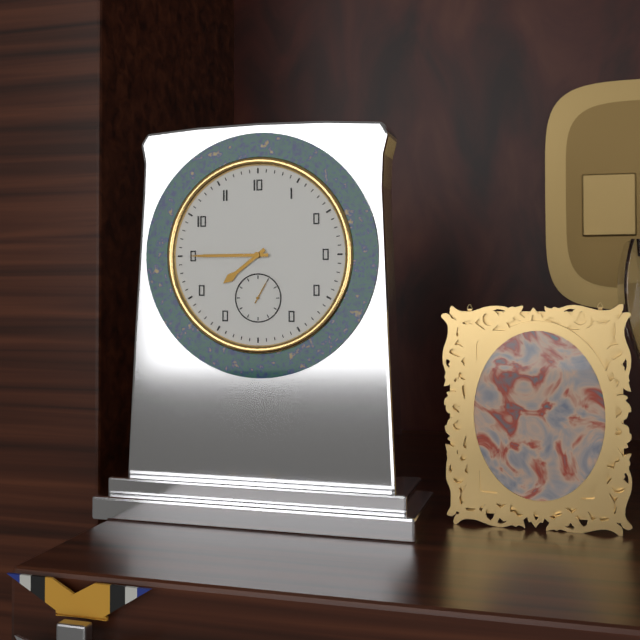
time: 7:45
